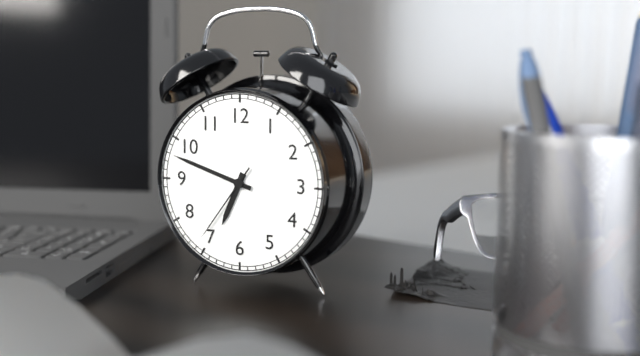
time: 6:48:36
